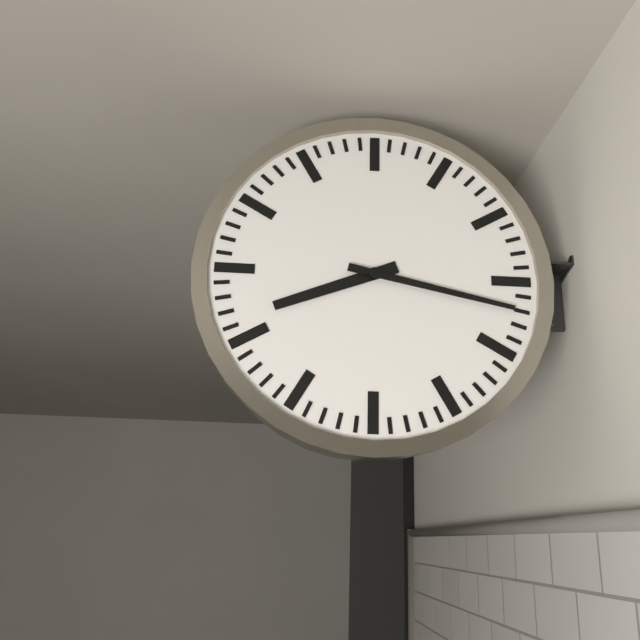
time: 8:17
